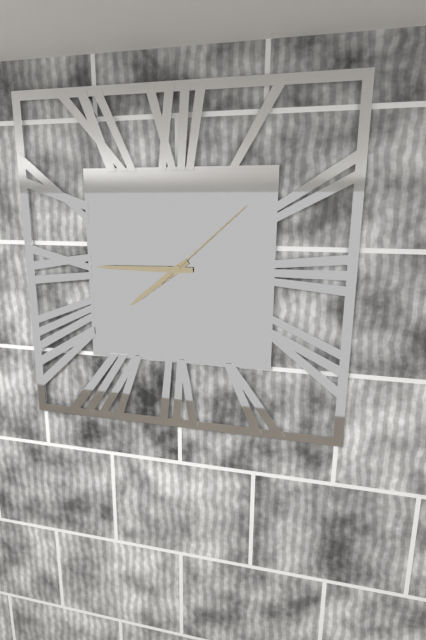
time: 7:45:08
